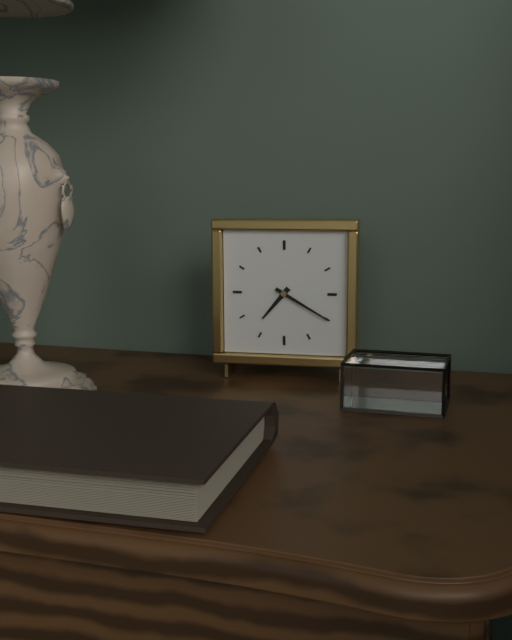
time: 7:20
